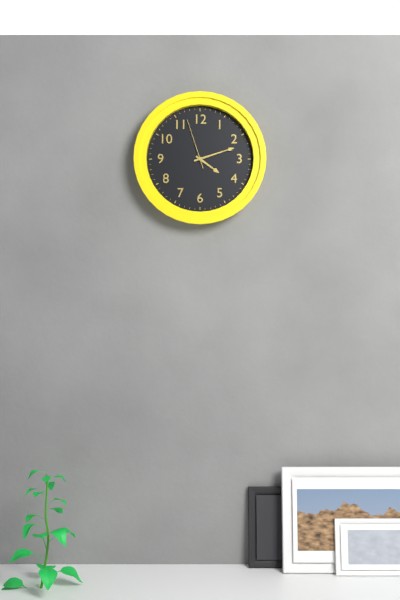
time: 4:12:57
